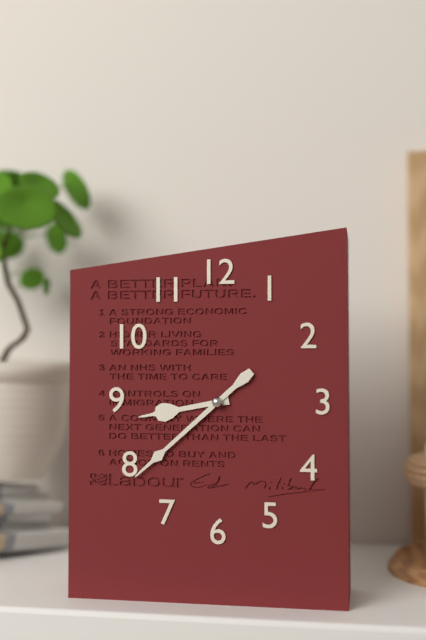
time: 8:38
